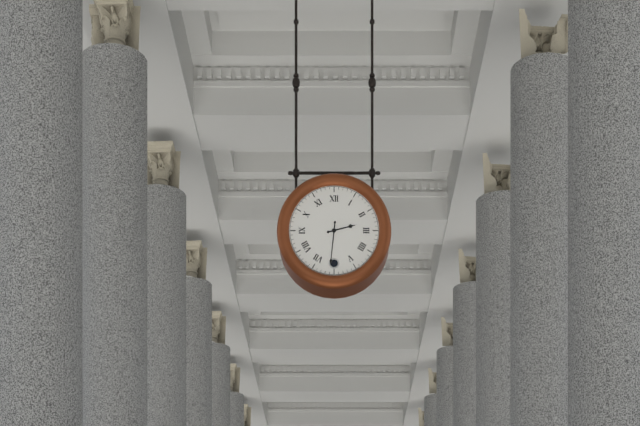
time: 2:31
